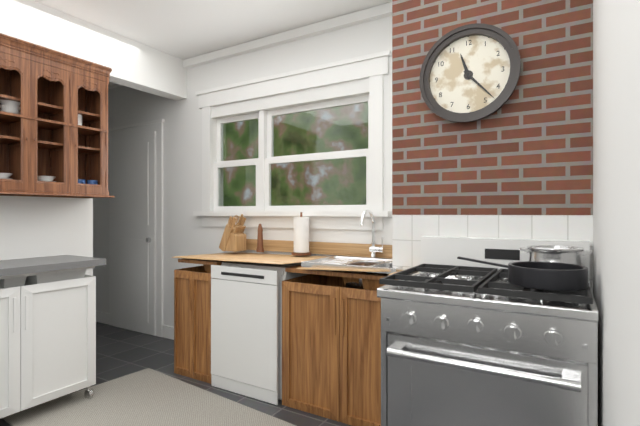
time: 11:23
